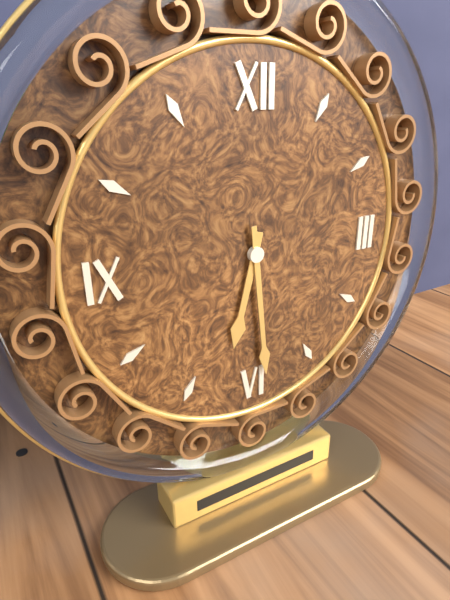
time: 6:29
